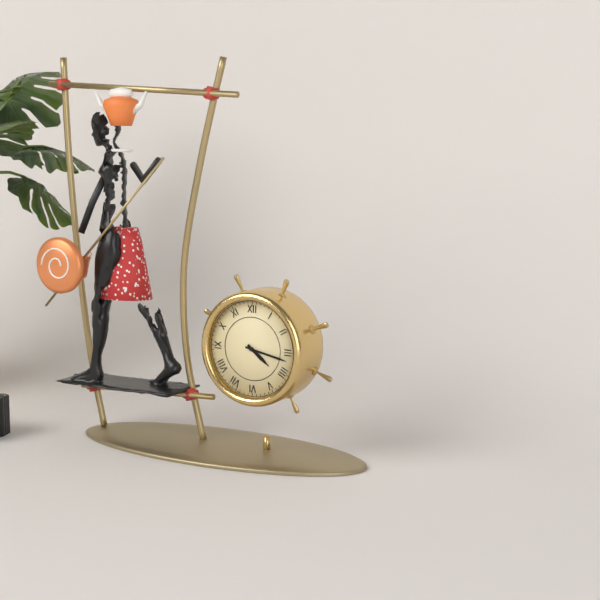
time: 4:17
